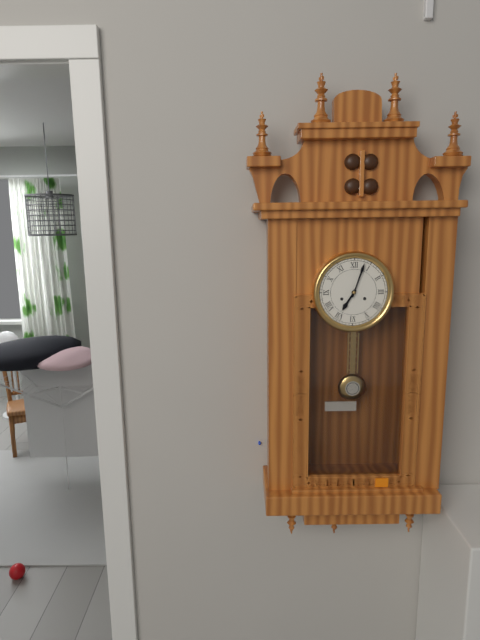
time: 7:03
